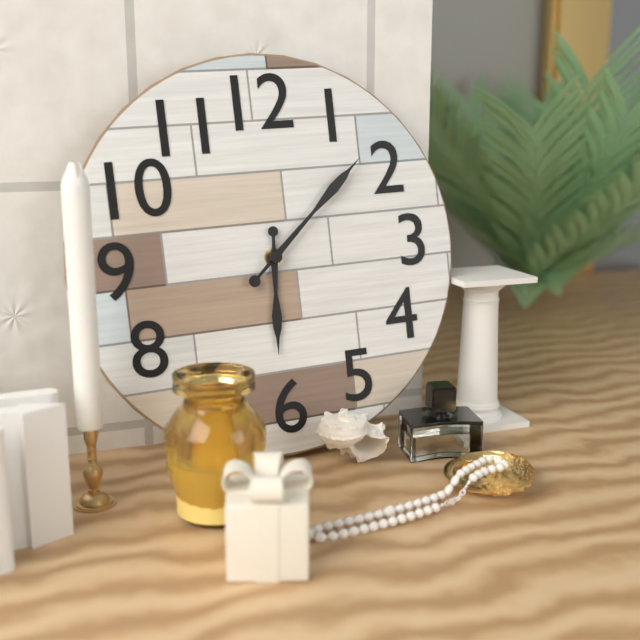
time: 6:08
